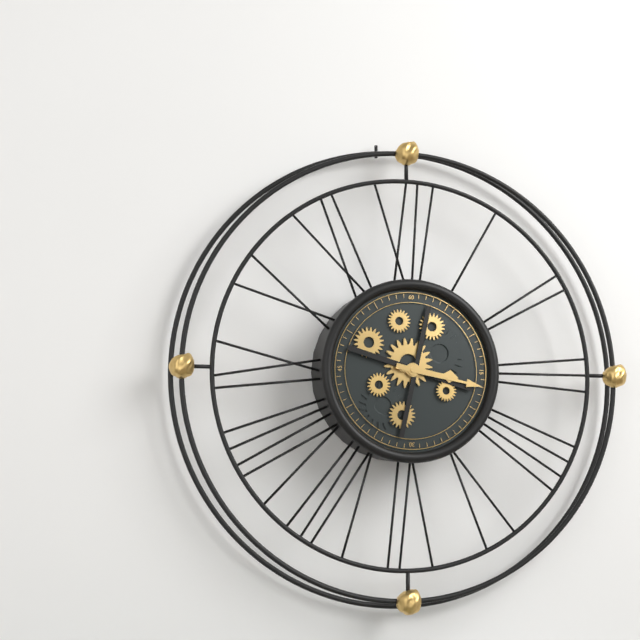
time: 3:17
